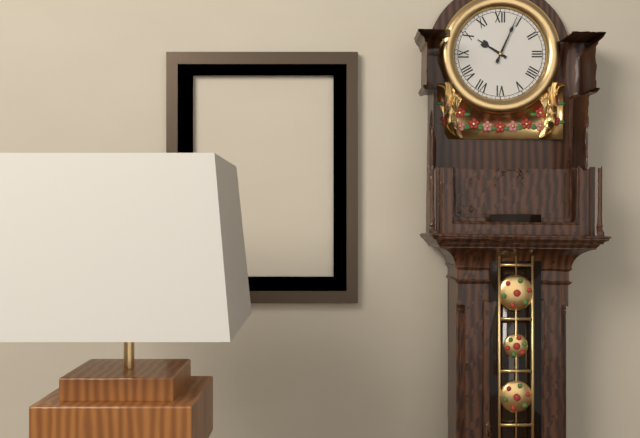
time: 10:04
